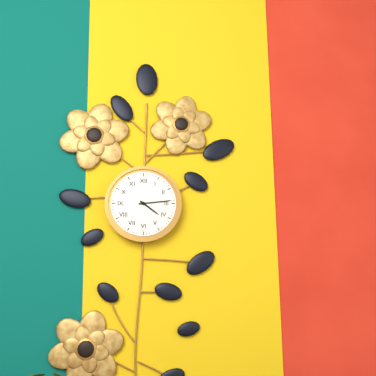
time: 4:14
